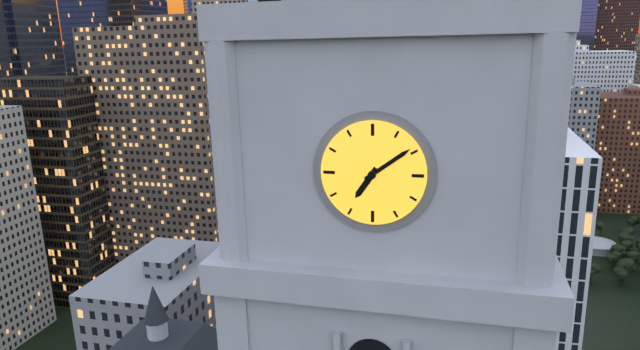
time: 7:09
